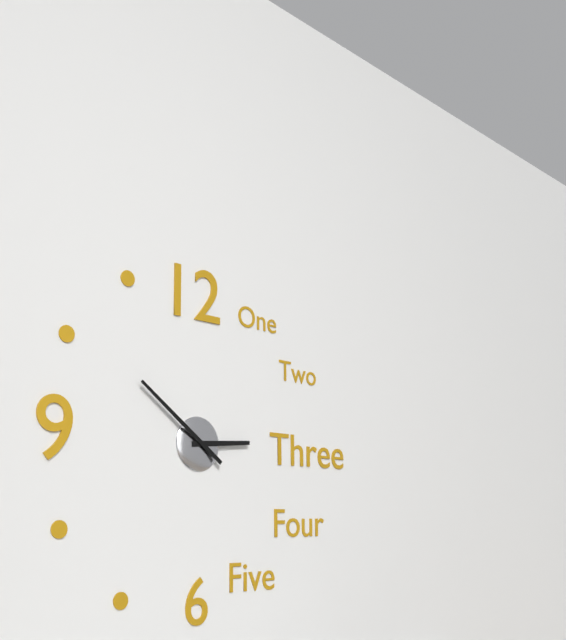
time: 2:51
